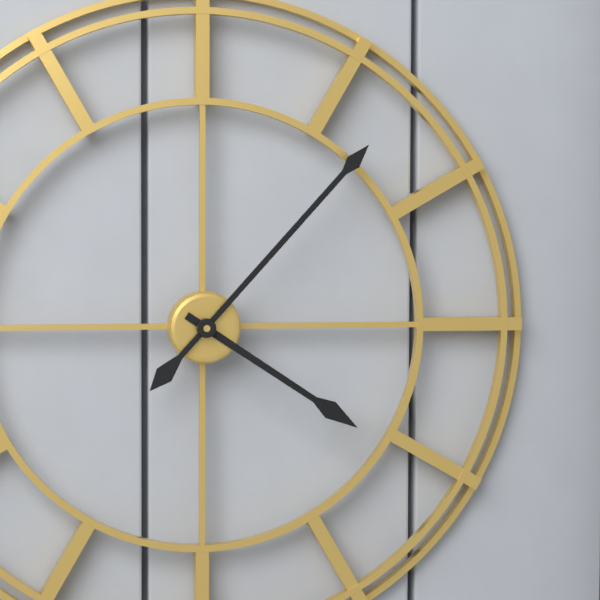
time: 4:07
